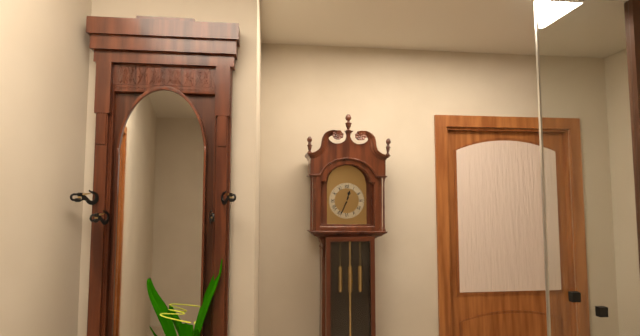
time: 12:34
